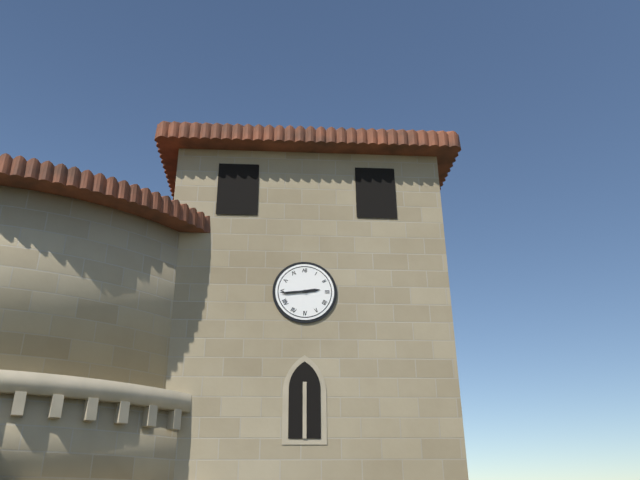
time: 2:44
